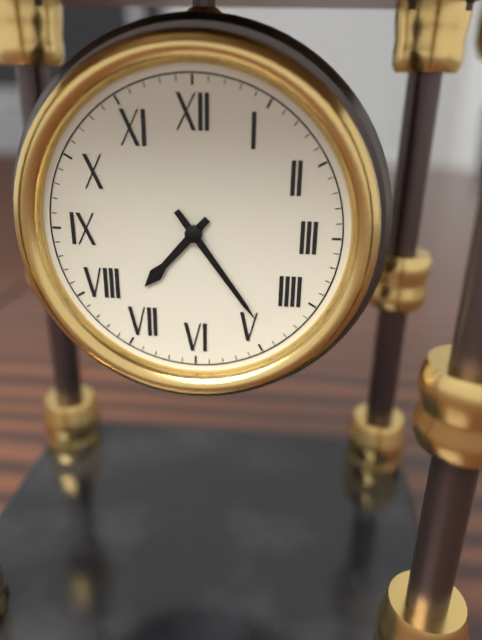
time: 7:24
